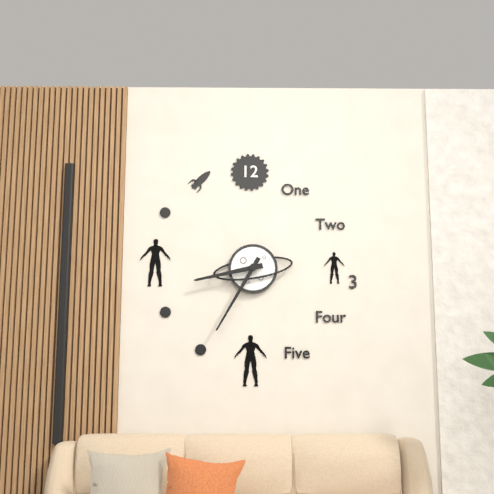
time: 8:35
